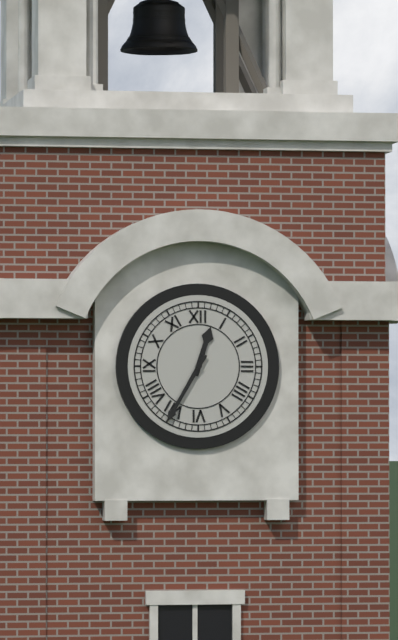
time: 12:35
